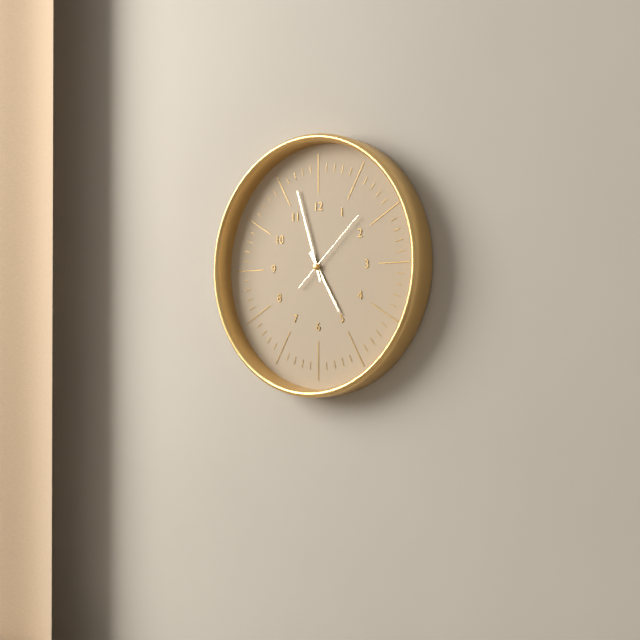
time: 4:57:08
